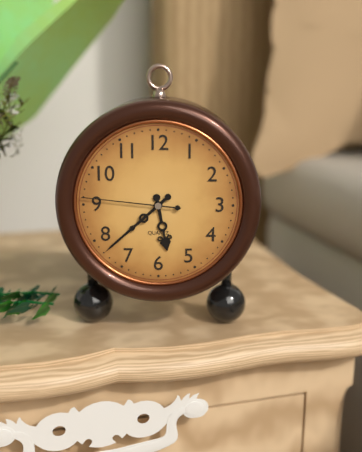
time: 5:38:46
